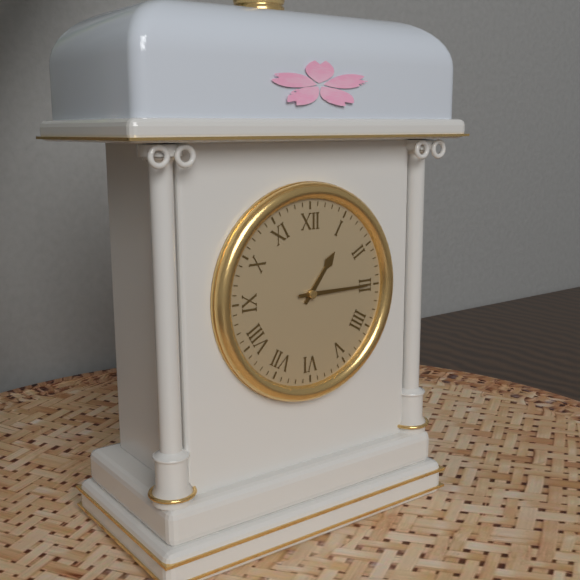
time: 1:15
